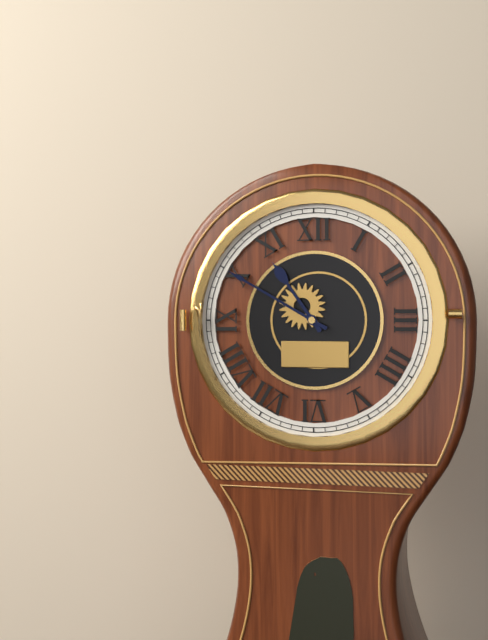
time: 10:50
